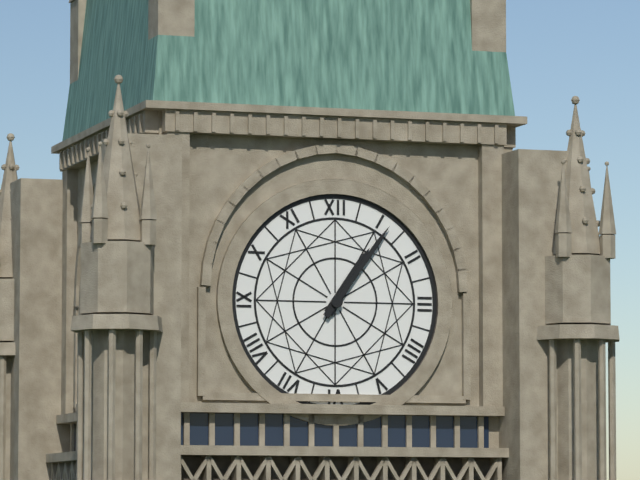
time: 1:06
